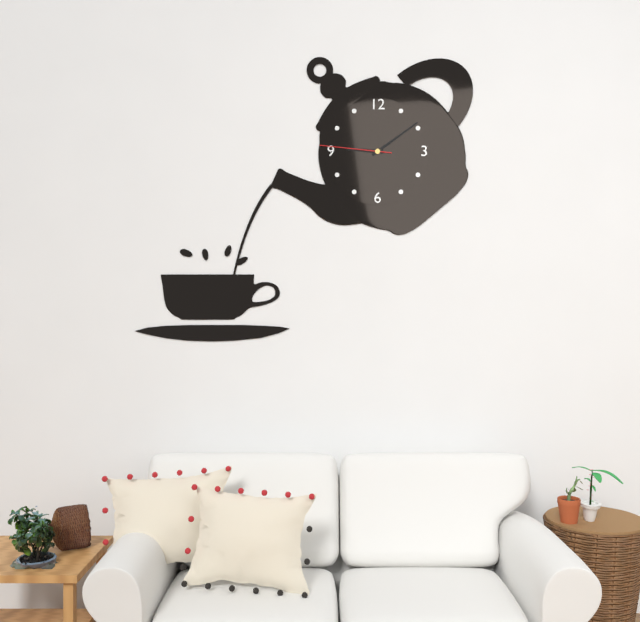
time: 9:09:46
